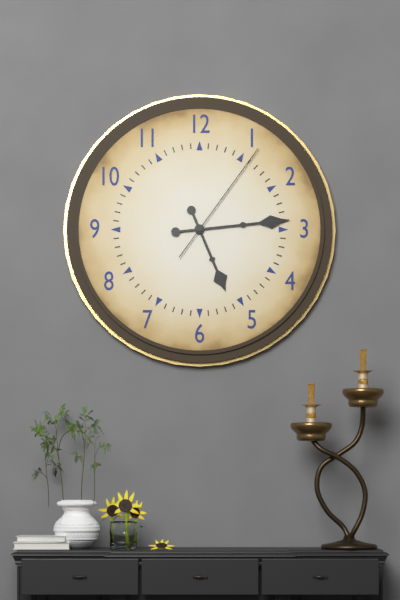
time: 5:14:06
